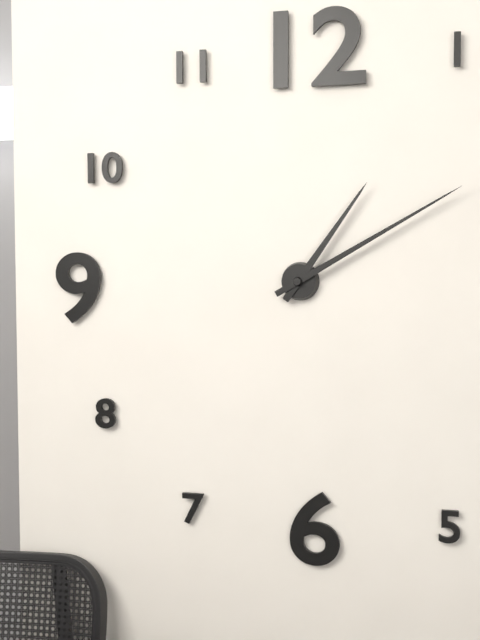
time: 1:10
